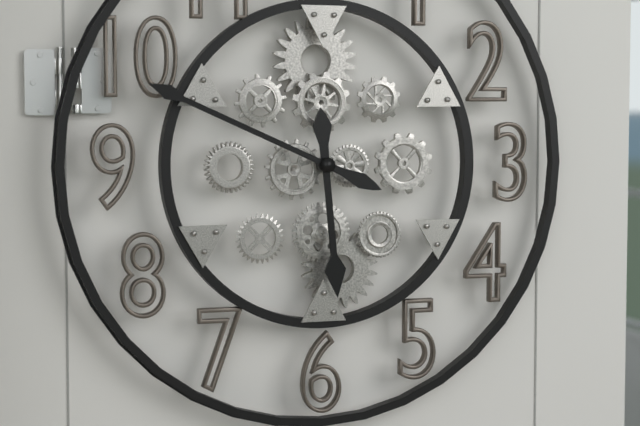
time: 5:49
